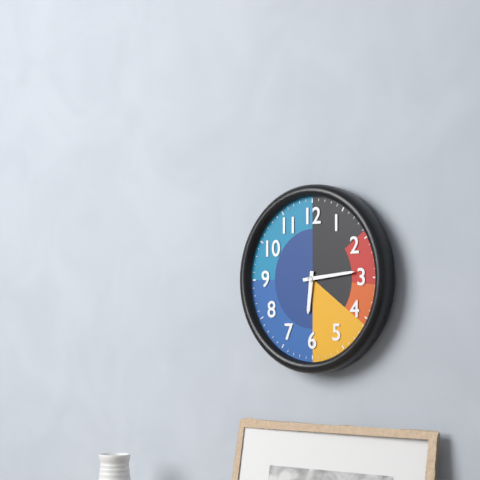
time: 6:14
